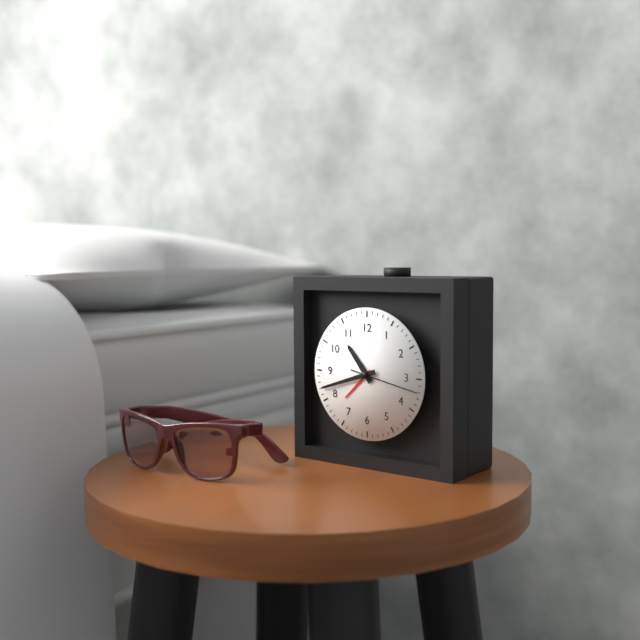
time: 10:42:17
